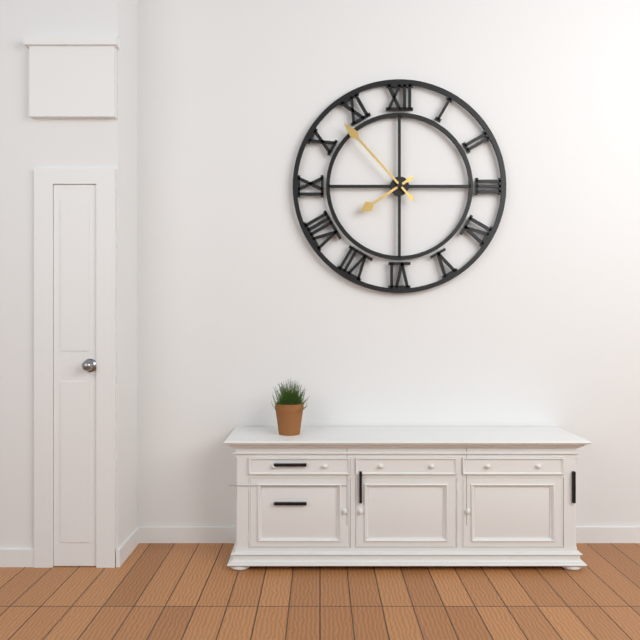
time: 7:53
